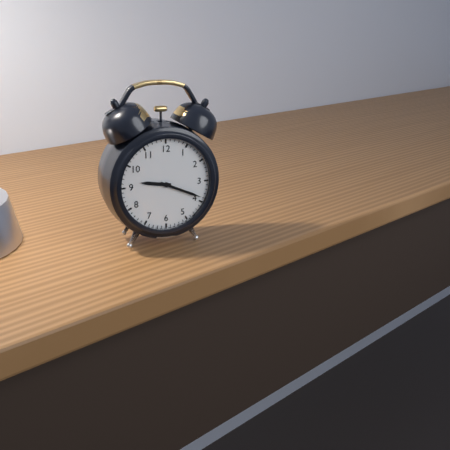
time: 9:19
